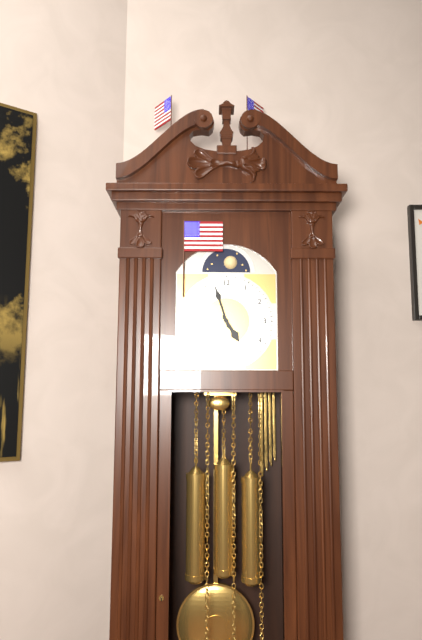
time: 4:57
